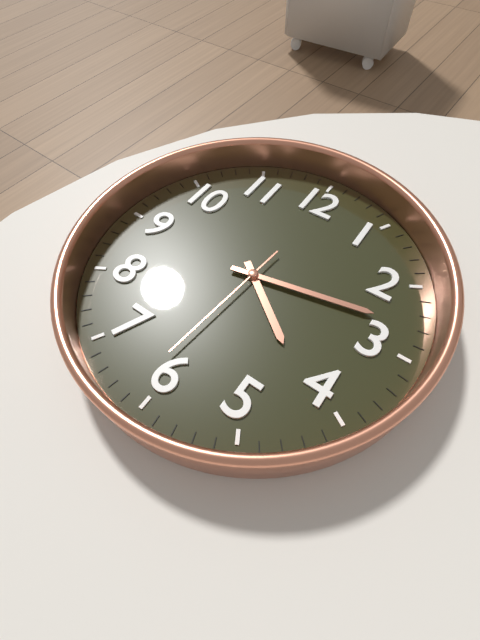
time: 4:13:31
